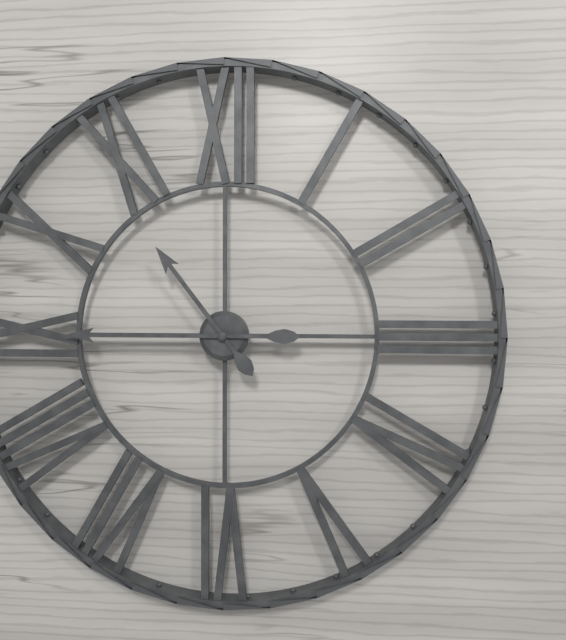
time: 10:45
